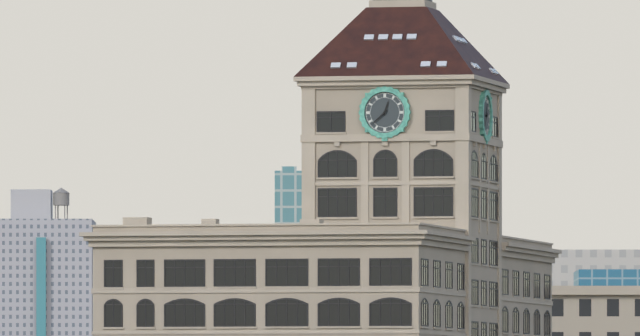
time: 12:38
